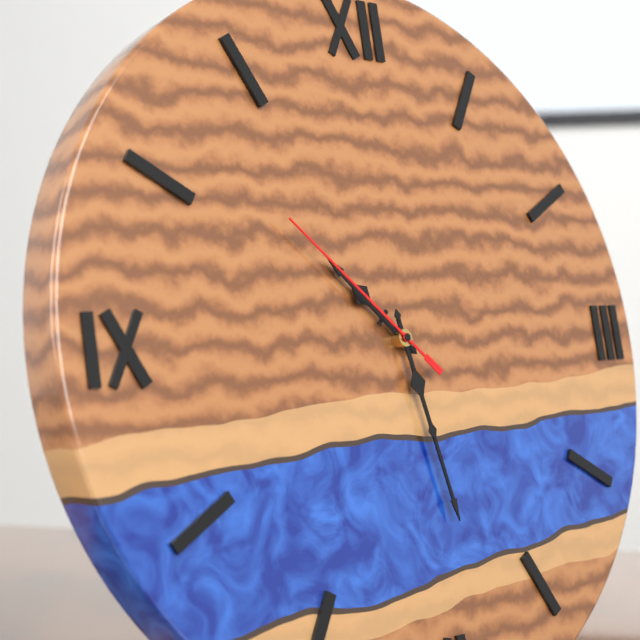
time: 10:28:52
